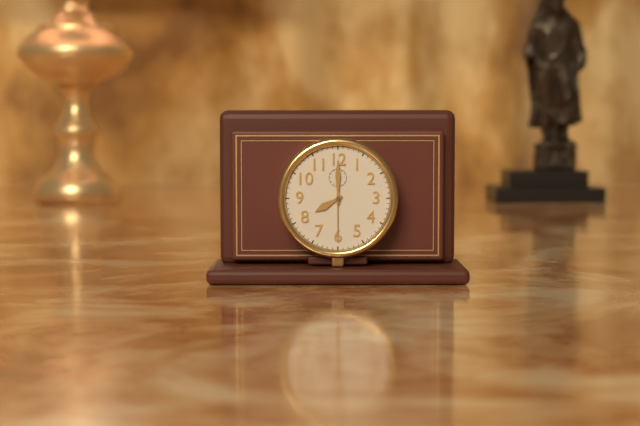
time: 8:00
